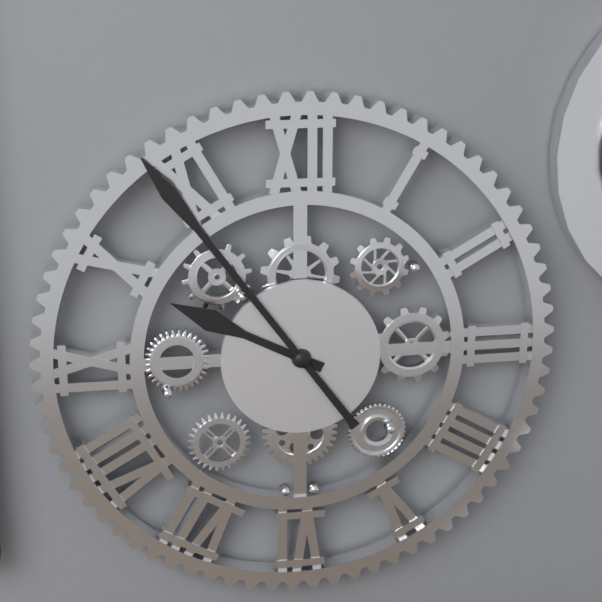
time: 9:54
